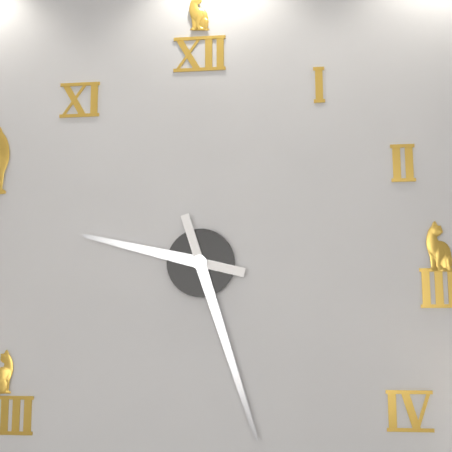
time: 9:27
